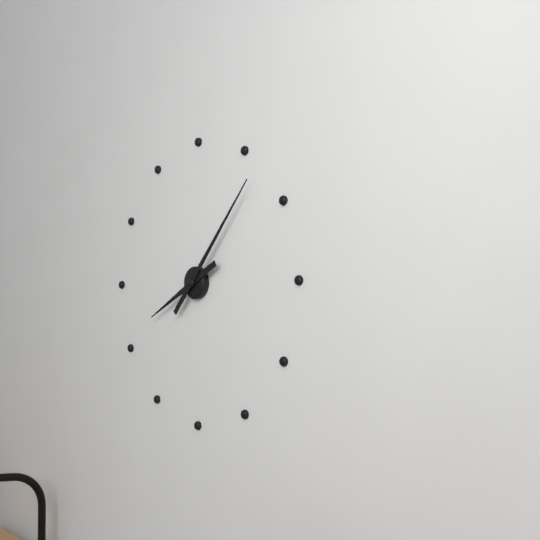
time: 8:07
